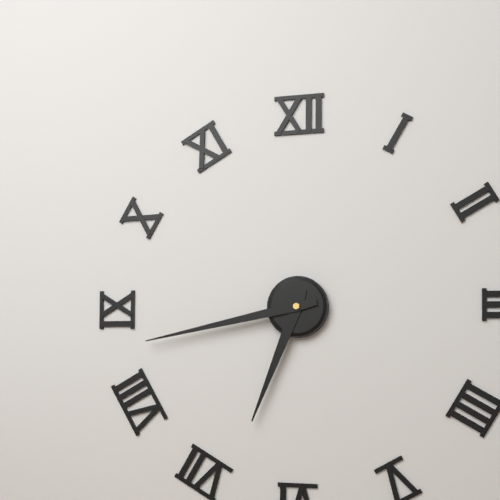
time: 6:43
